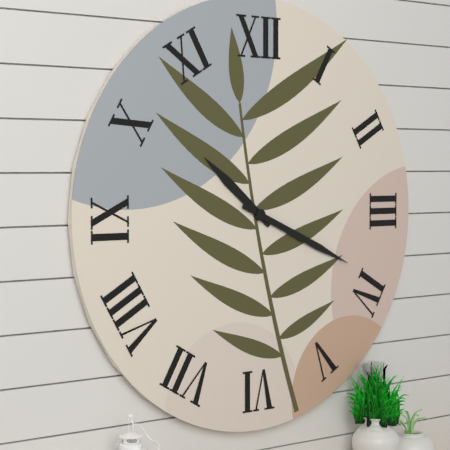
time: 10:19
